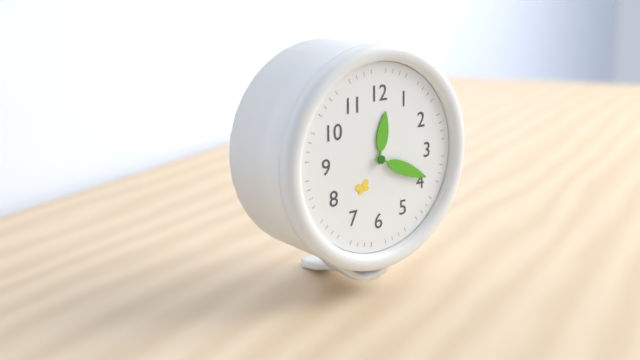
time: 12:19
